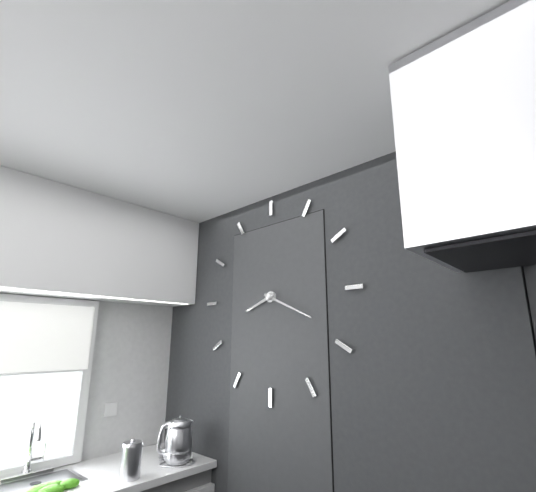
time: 8:19
